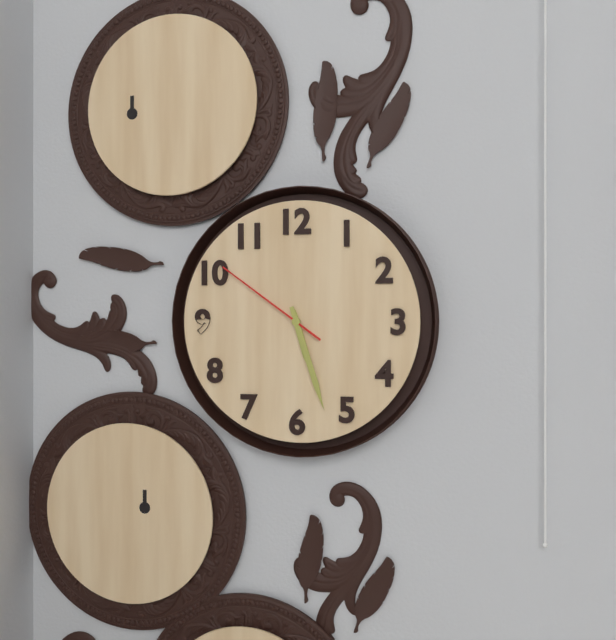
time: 5:27:51
